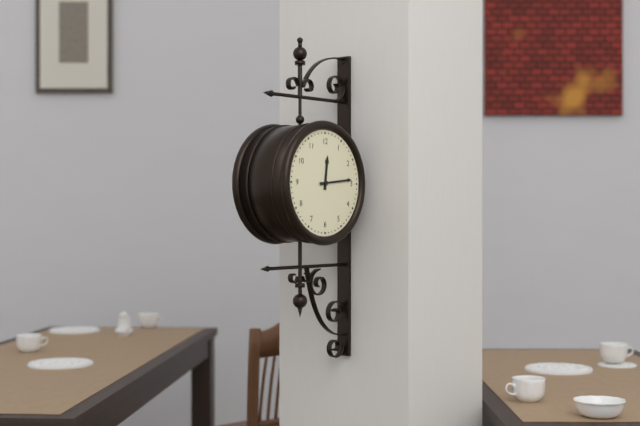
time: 12:14
